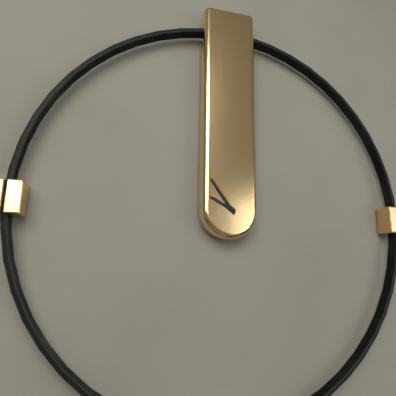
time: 9:54
